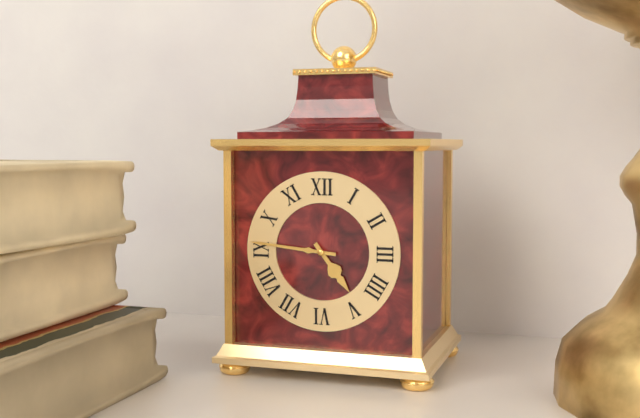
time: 4:46
